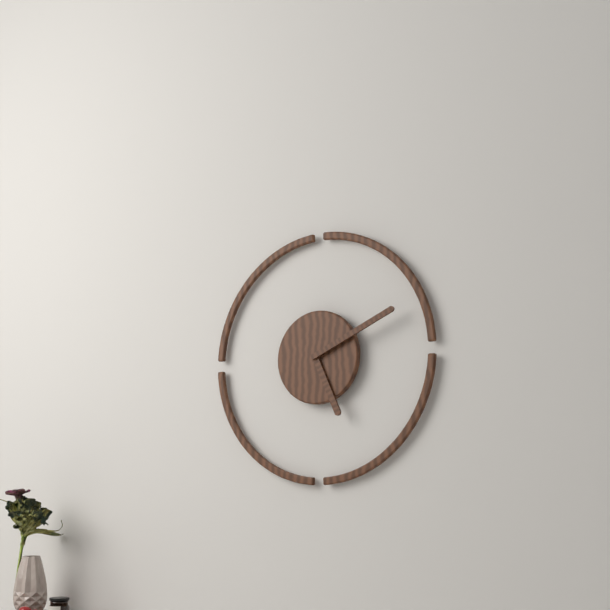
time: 5:11
